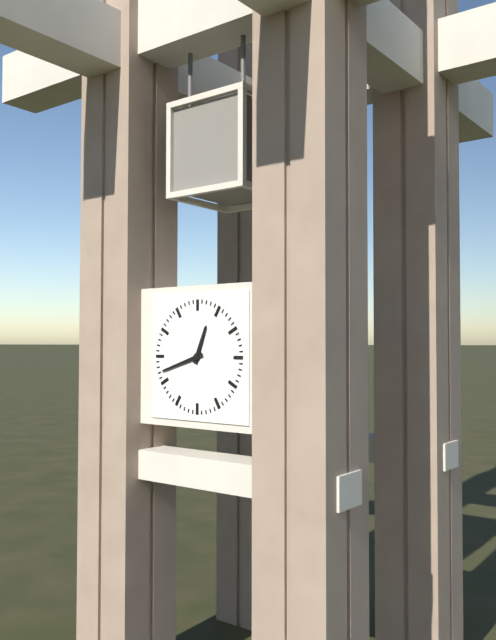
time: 12:42
